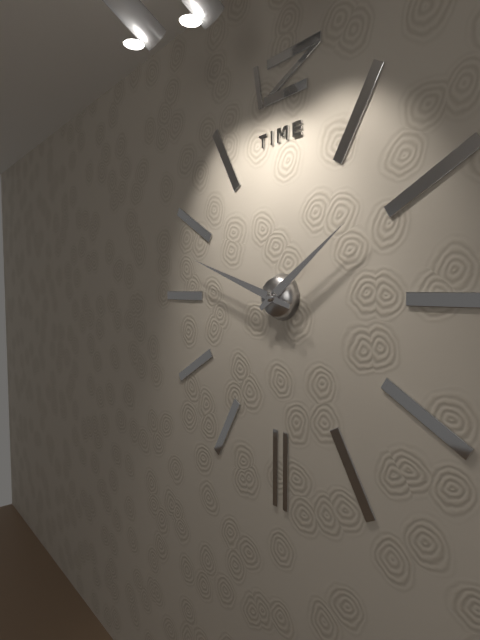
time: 1:48
